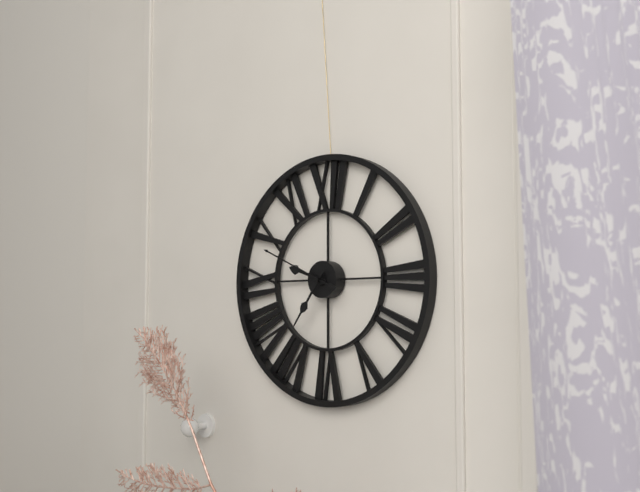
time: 9:36:49
